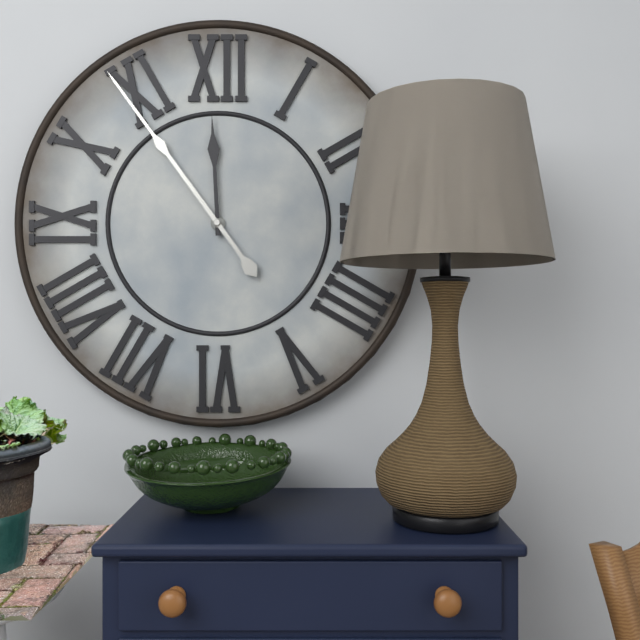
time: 11:54
